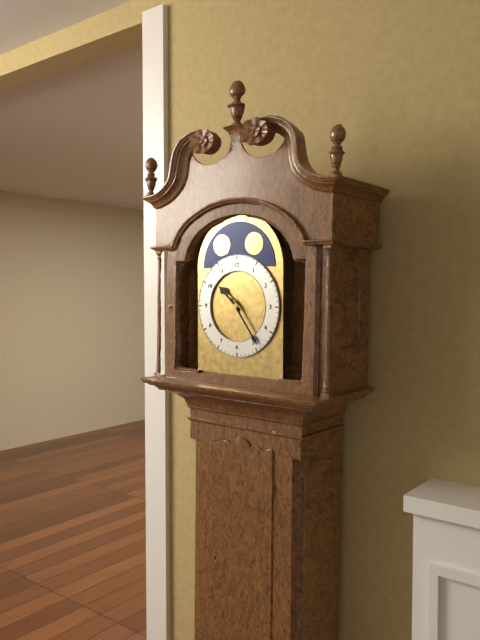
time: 10:24
